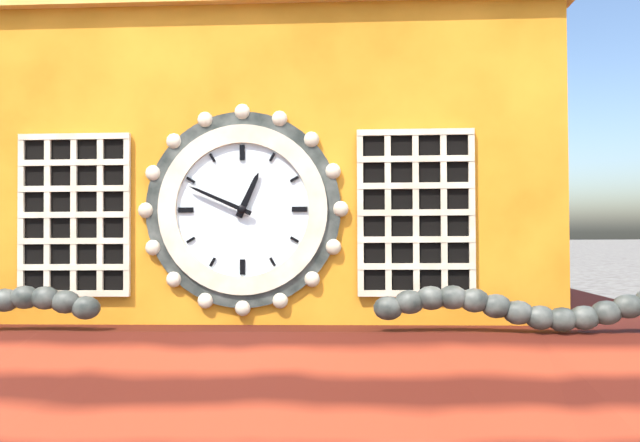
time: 12:49
